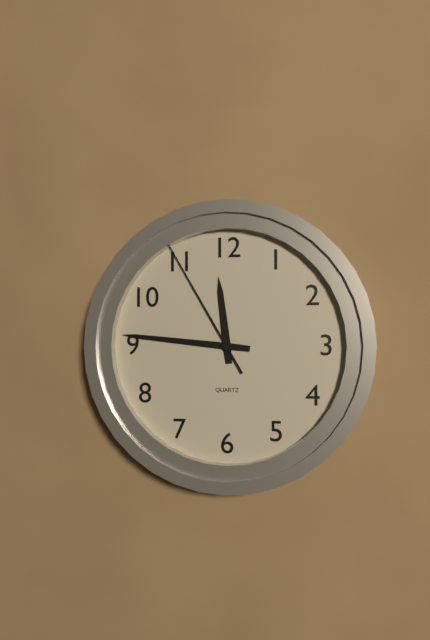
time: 11:46:55
